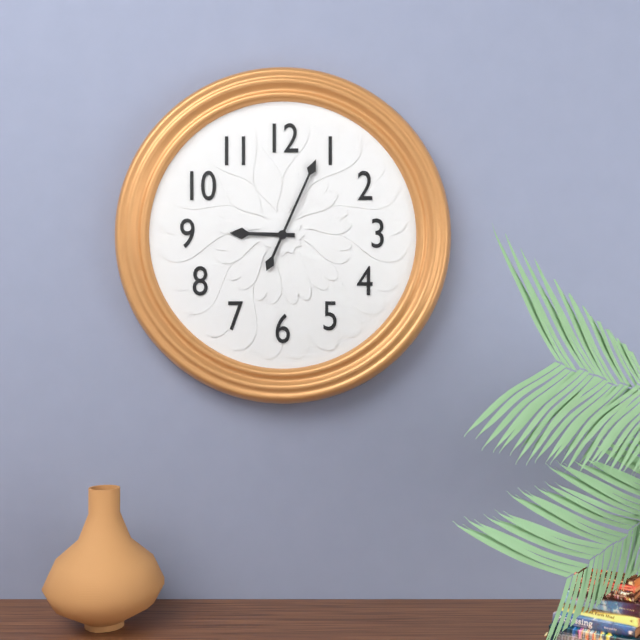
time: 9:04
